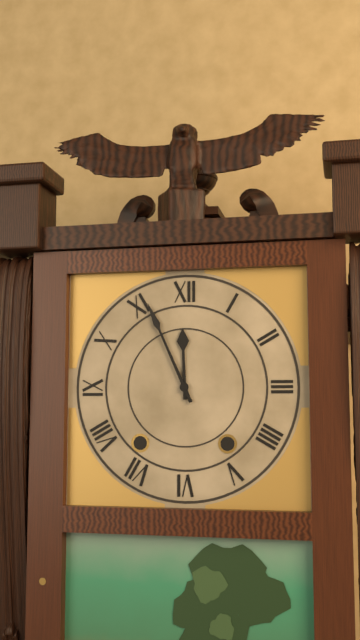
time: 11:56
